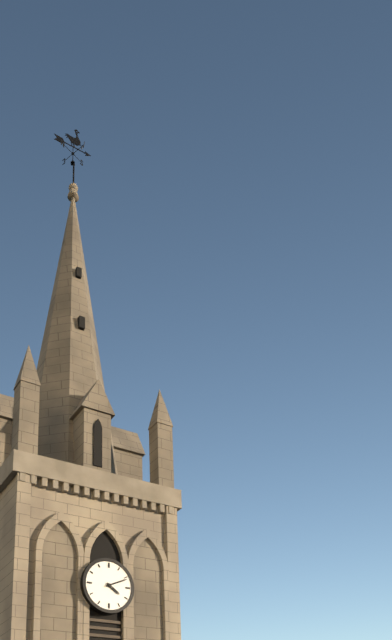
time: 4:11
